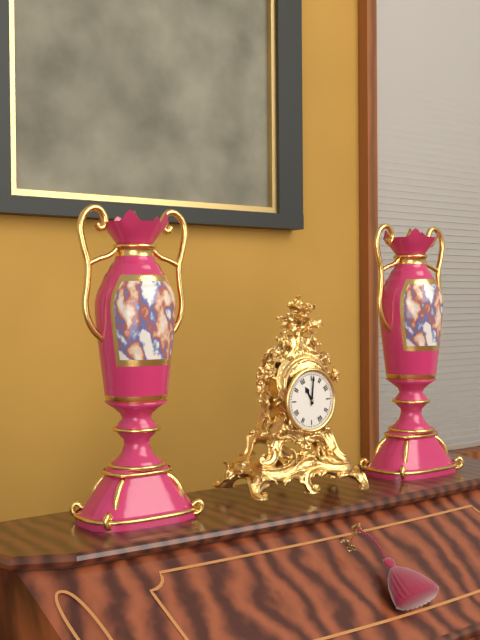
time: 11:01
